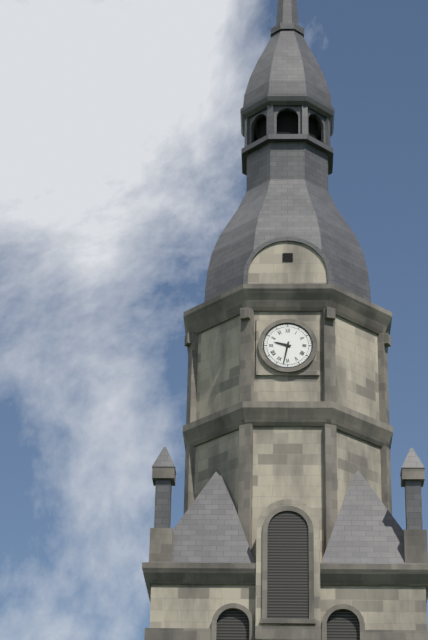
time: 9:32
